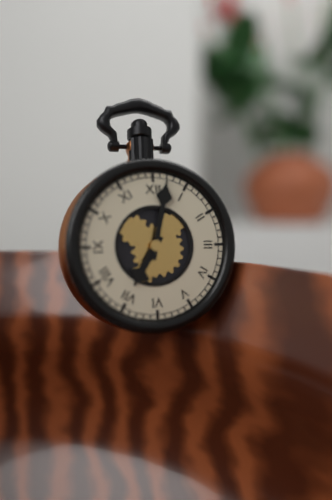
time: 7:02
